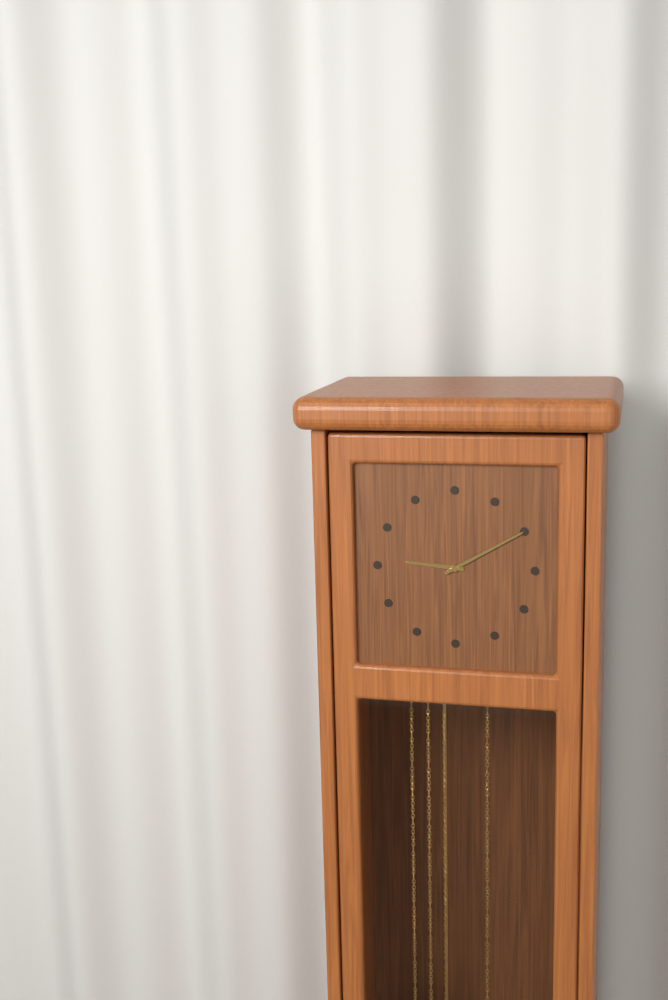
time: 9:10
